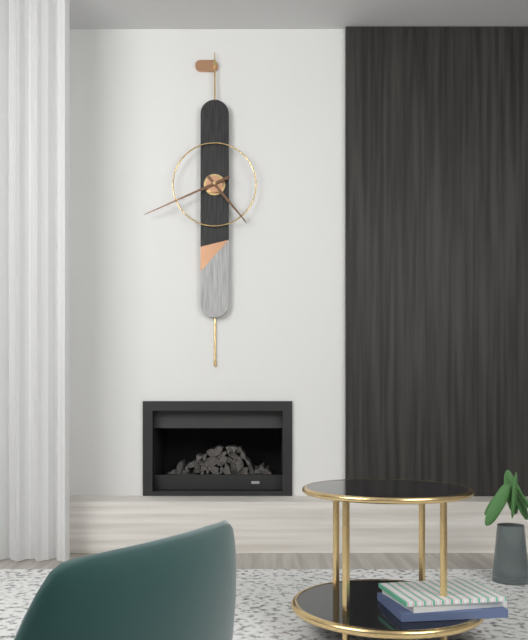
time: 4:41
